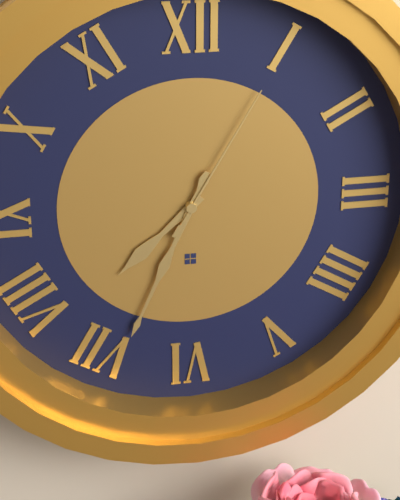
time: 7:34:05
